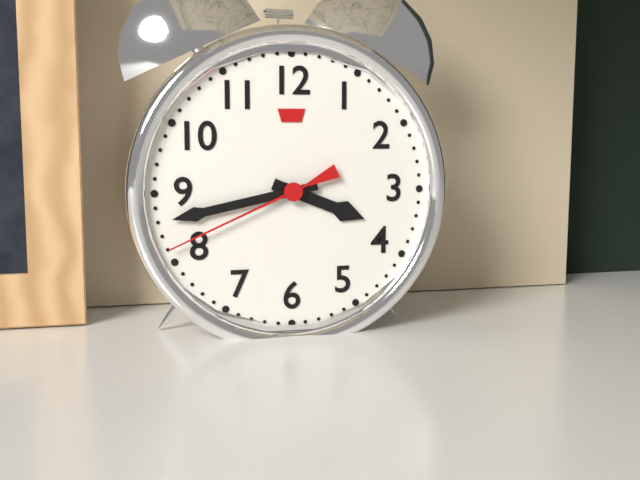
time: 3:43:41
